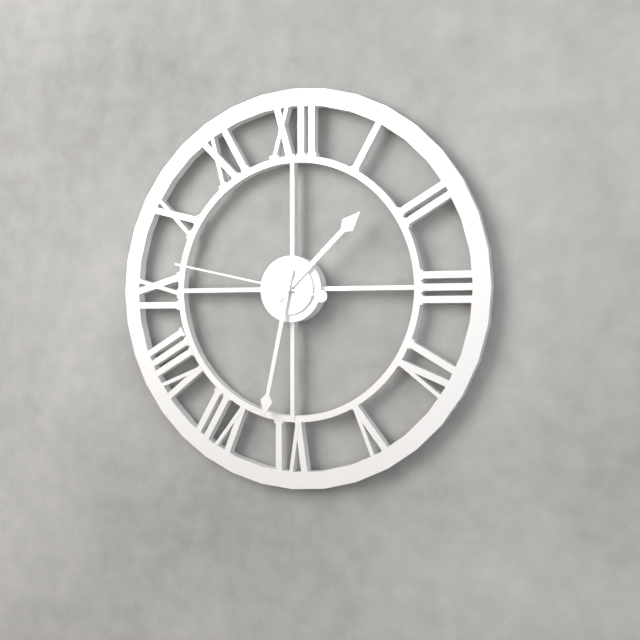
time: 1:32:47
